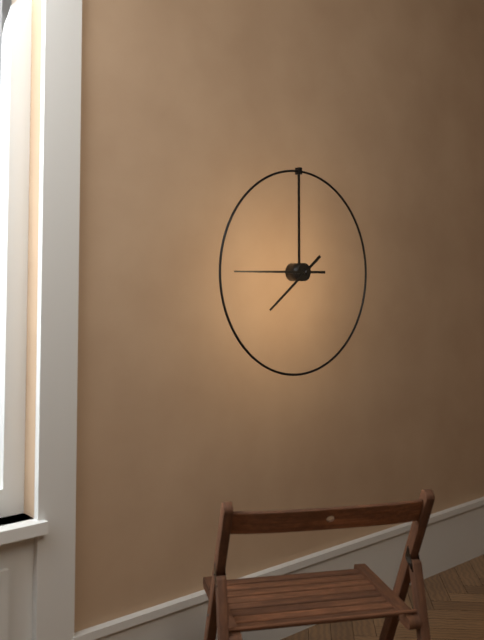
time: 7:45
